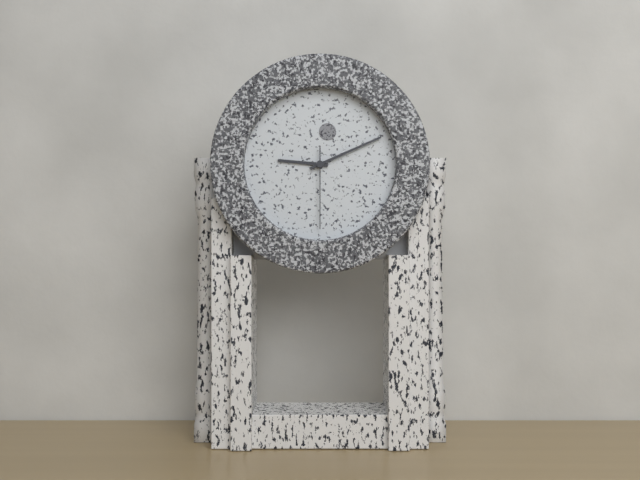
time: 9:11:30
